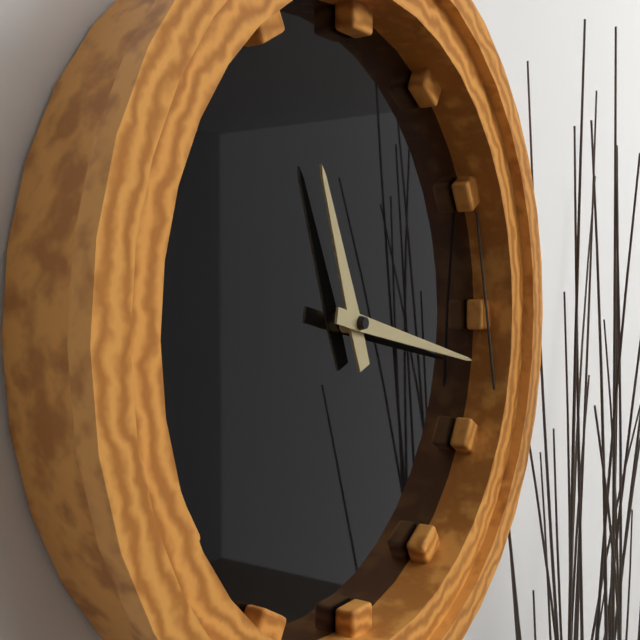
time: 11:17
